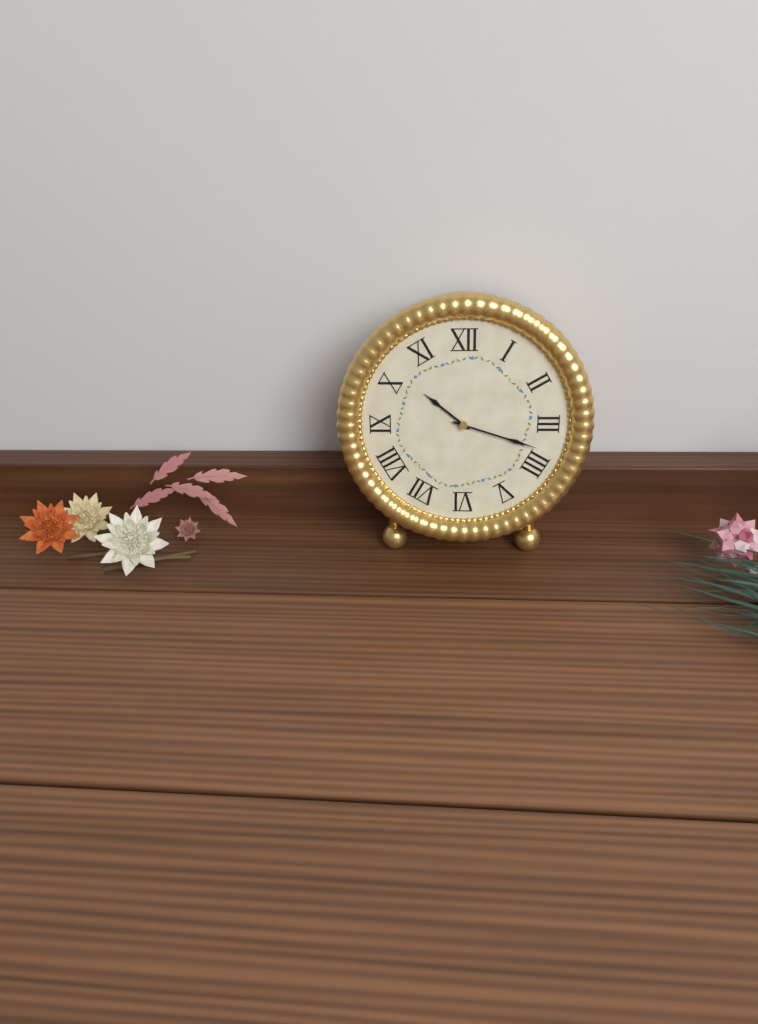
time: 10:18
